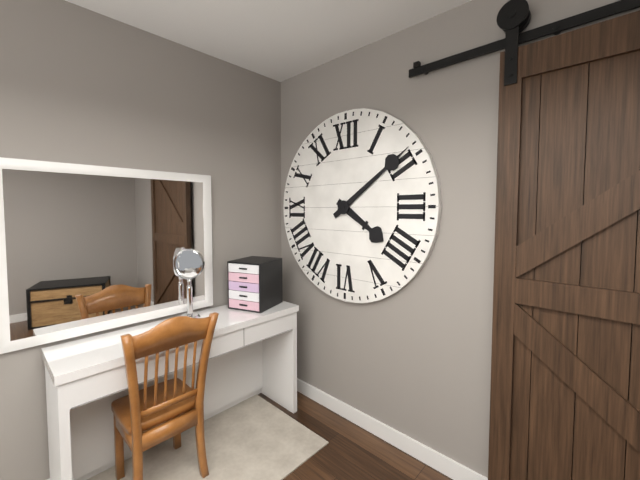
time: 4:09
